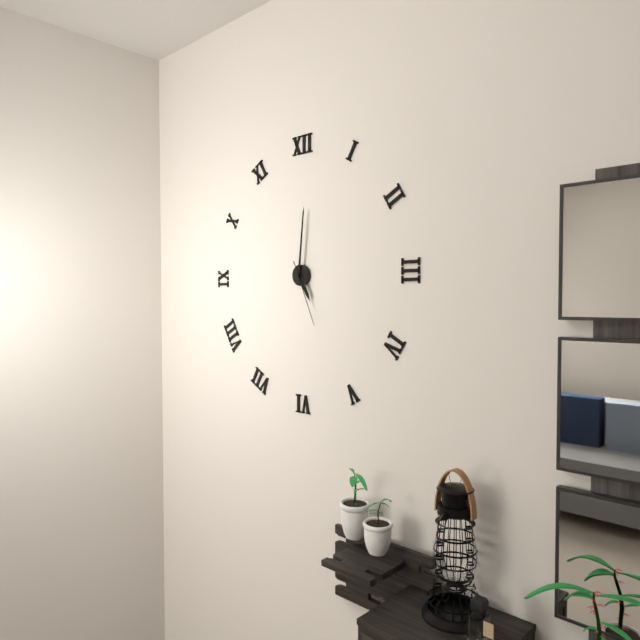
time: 5:01:26
